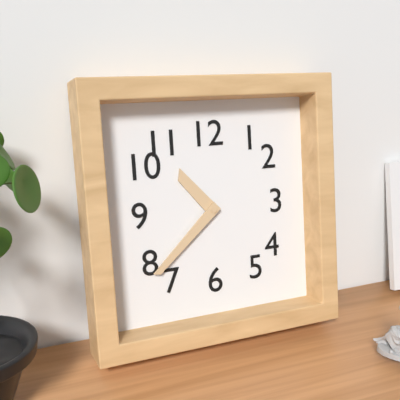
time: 10:38
